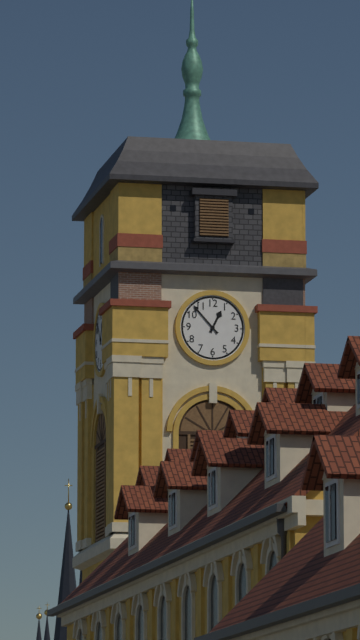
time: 12:53
